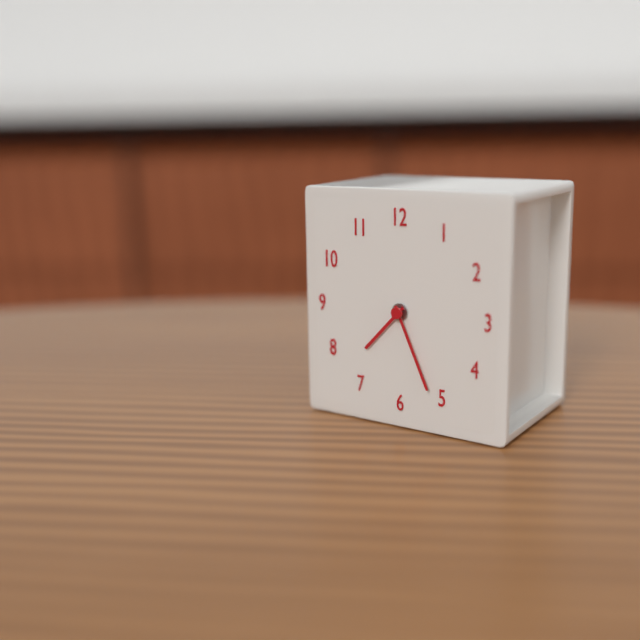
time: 7:26
